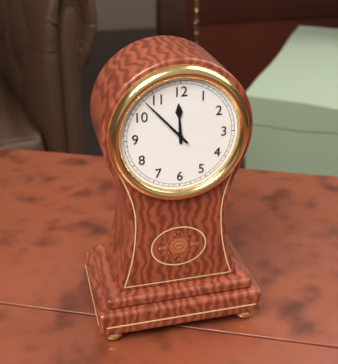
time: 11:53
